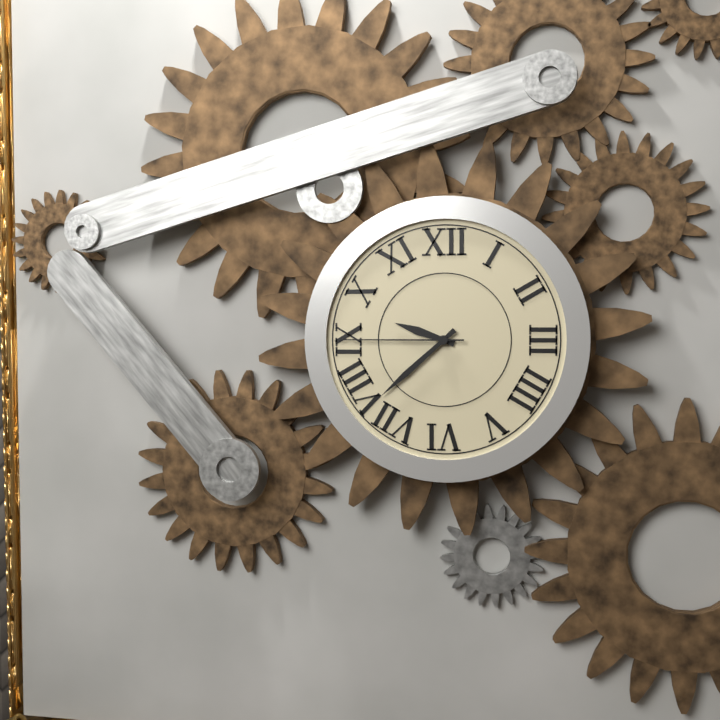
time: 9:38:45
